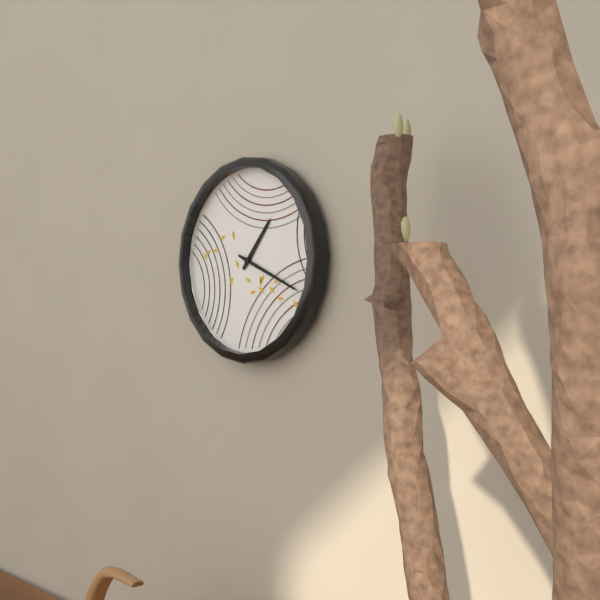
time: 1:19
